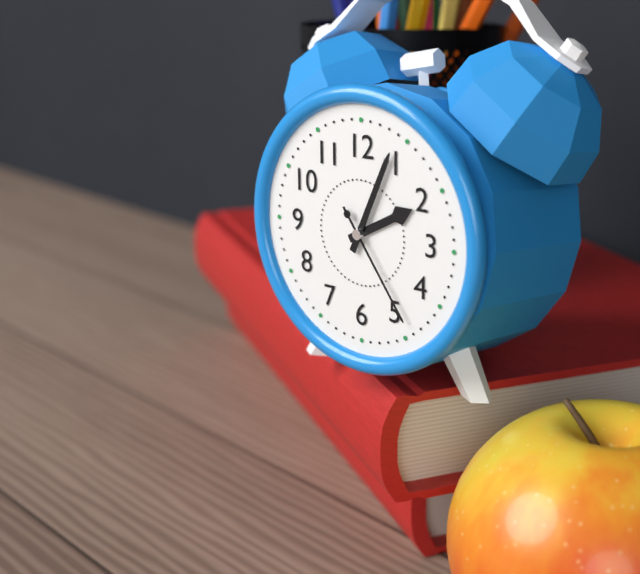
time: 2:04:24
